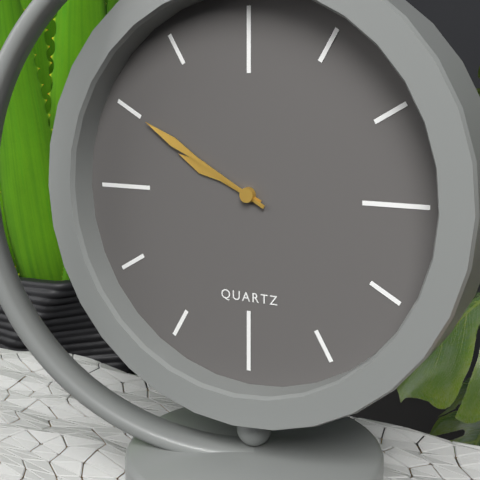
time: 9:50
